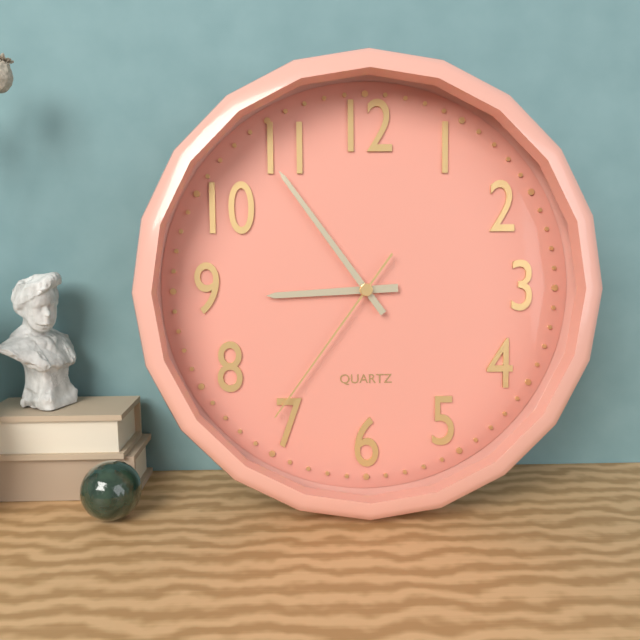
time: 8:54:36
